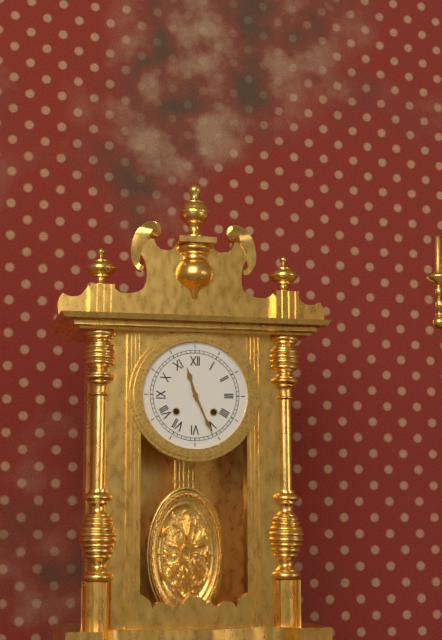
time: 11:26
